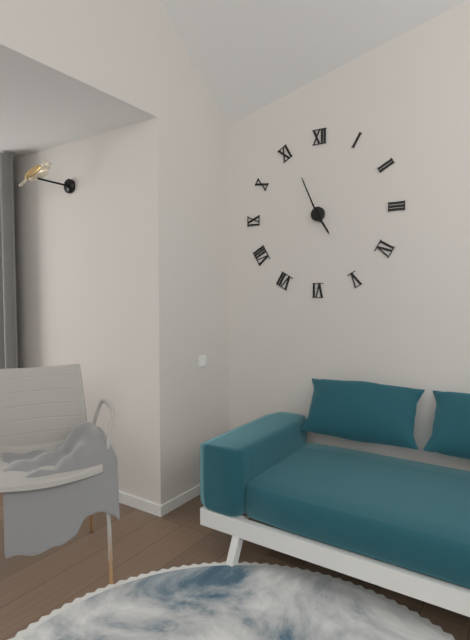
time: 4:56
